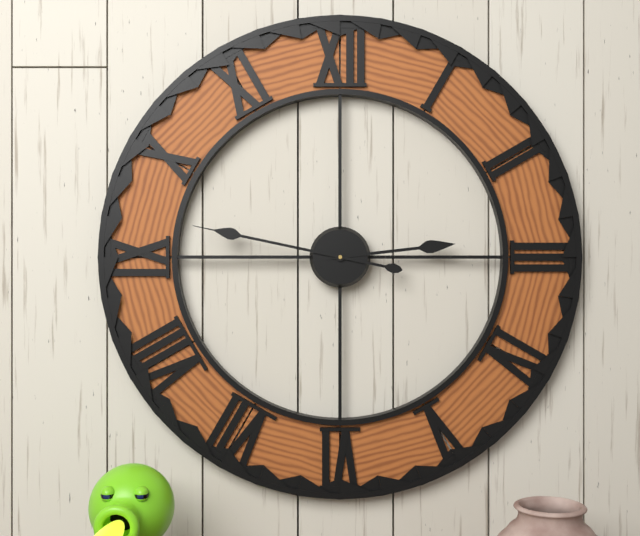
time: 2:47
